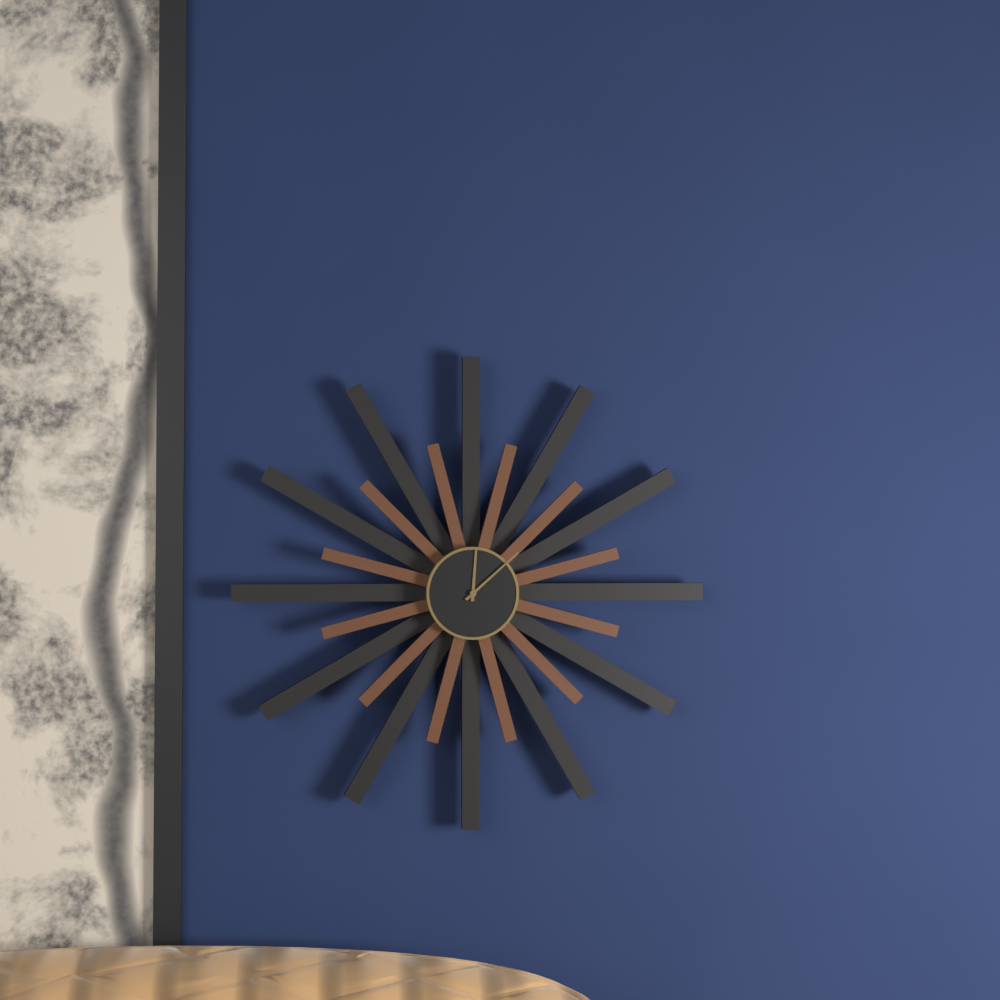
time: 12:08
